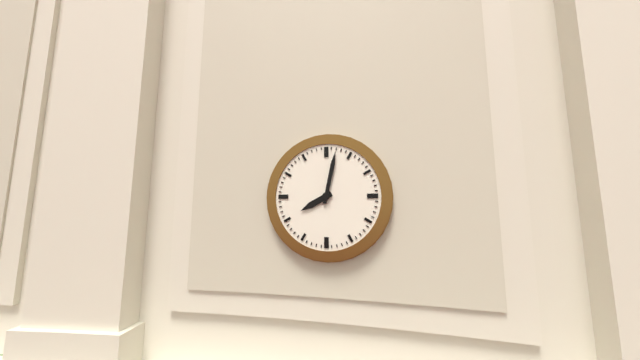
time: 8:02
